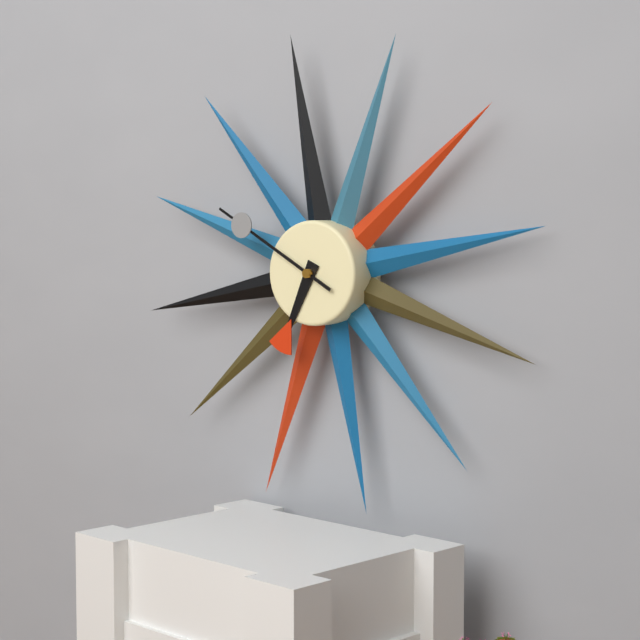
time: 6:50
